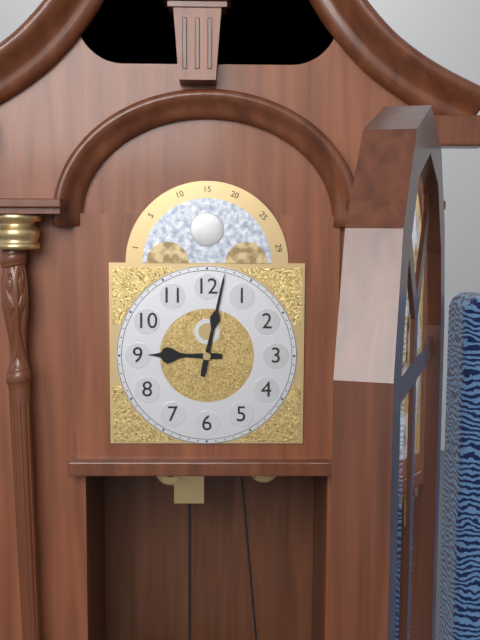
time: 9:02
